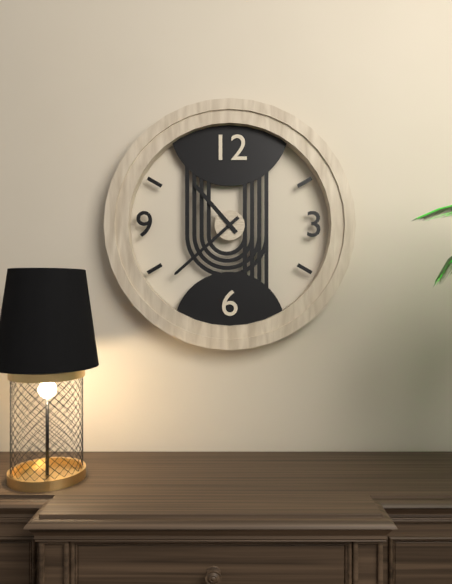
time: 10:38
